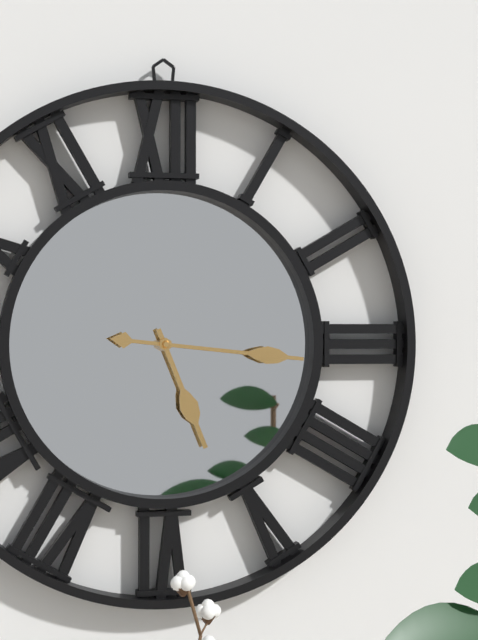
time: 5:16
